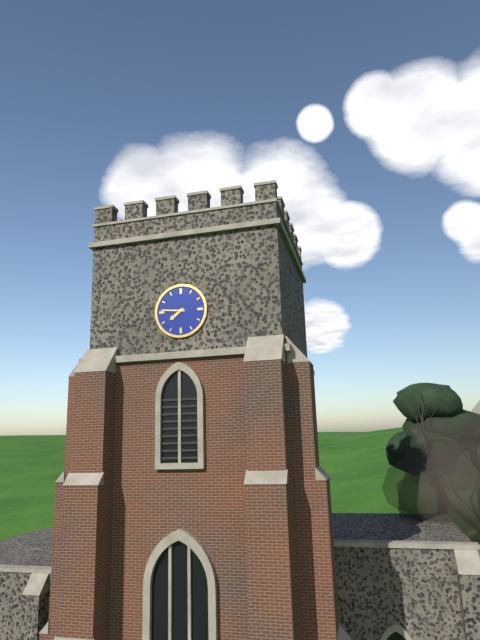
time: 7:46
